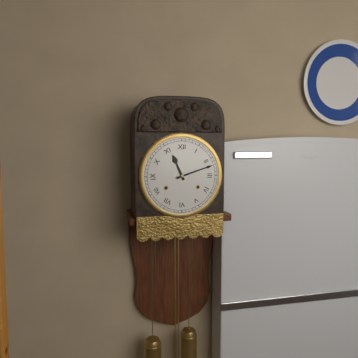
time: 11:12
